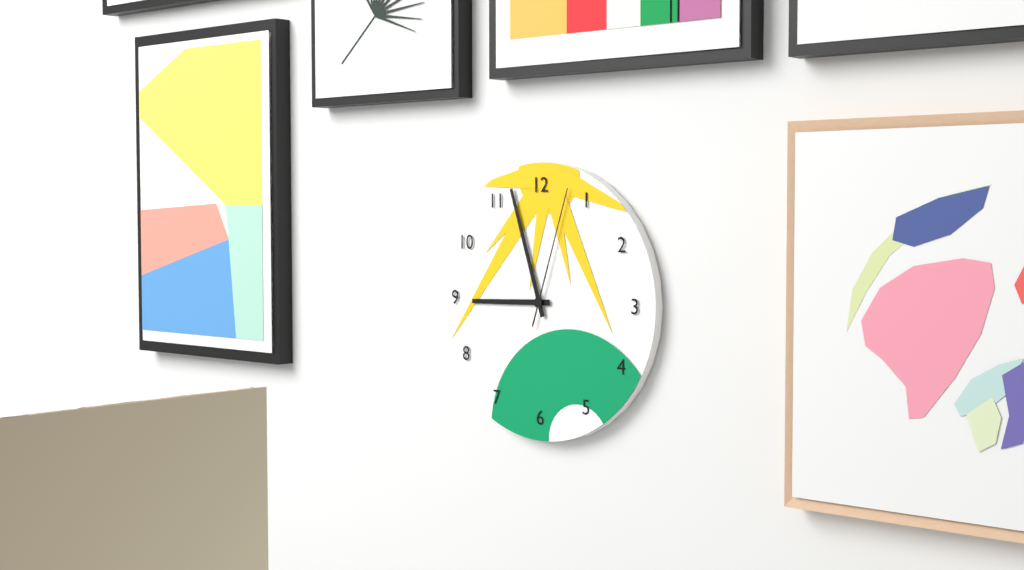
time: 8:57:03
